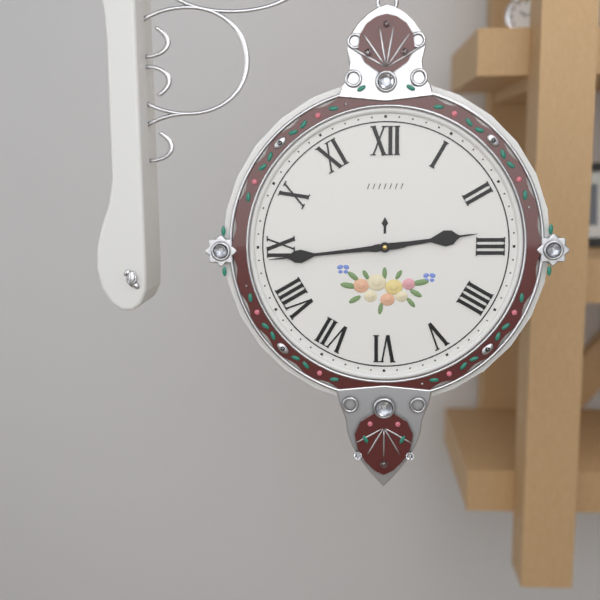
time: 2:44
